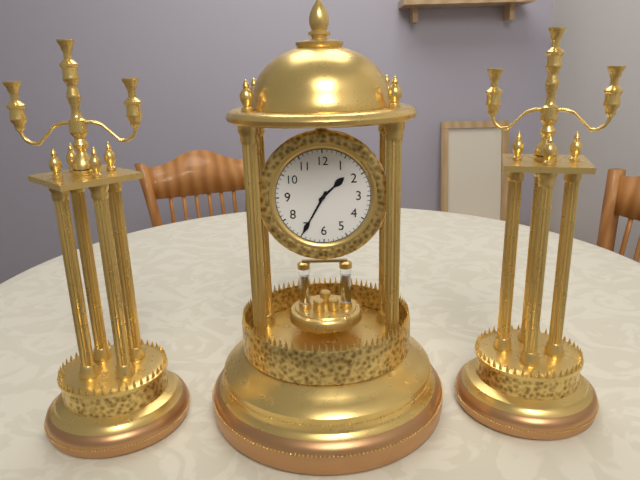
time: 1:35
